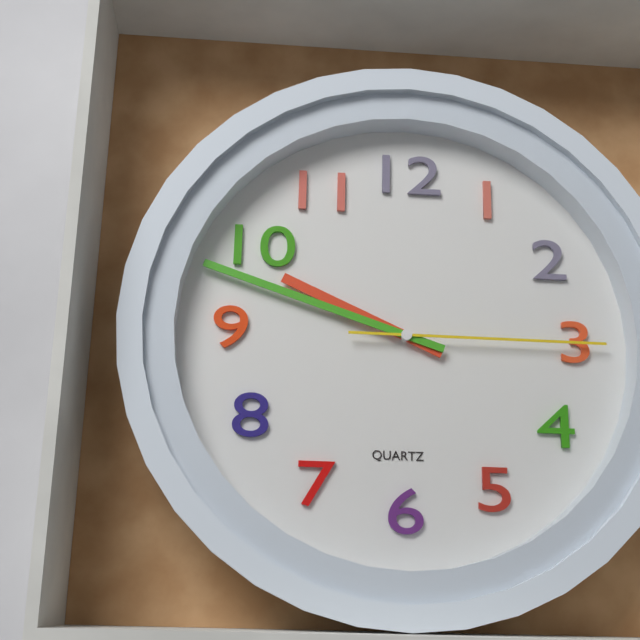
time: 9:48:15
